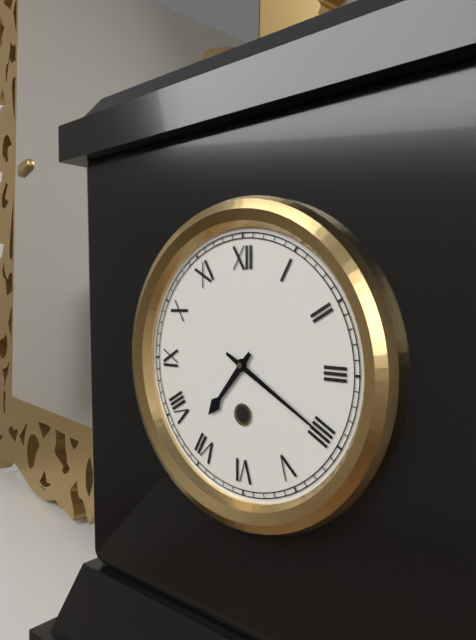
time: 7:20
